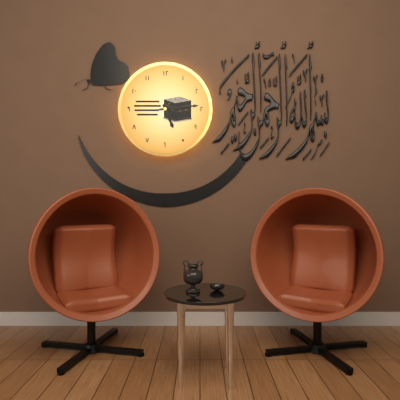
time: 5:14
